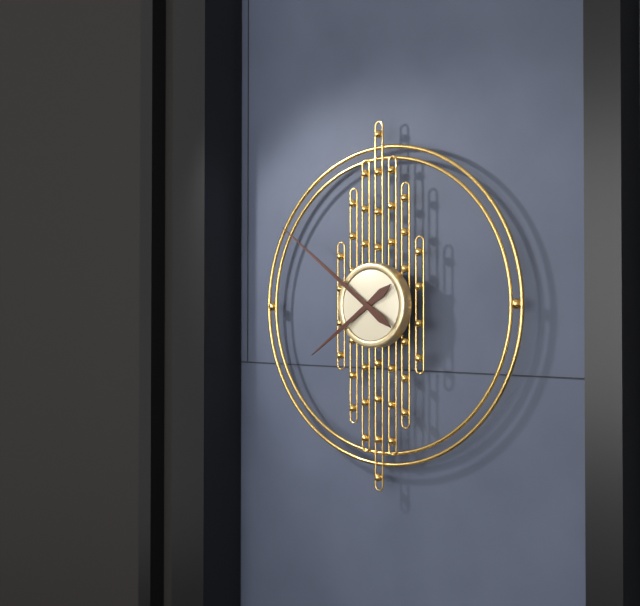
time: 7:51
